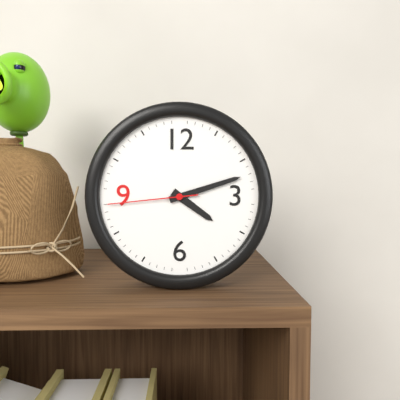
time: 4:12:44
